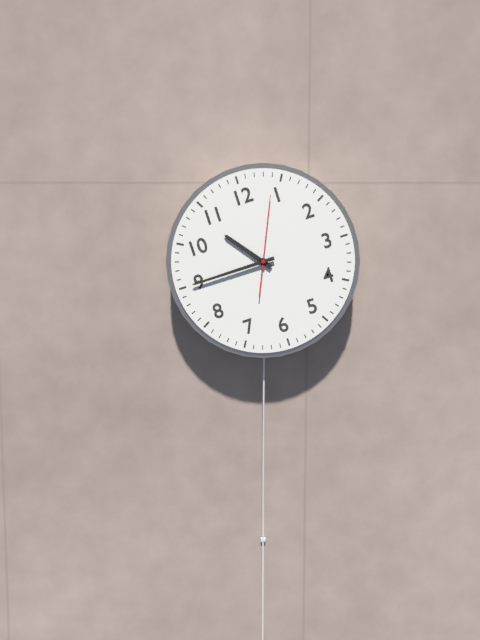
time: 10:45:04
